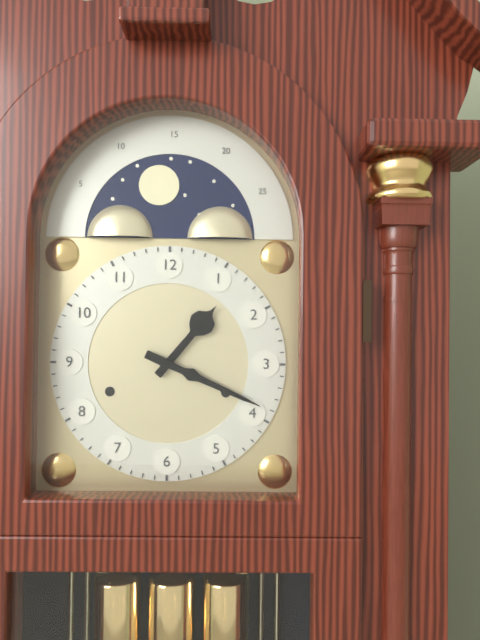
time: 1:19
